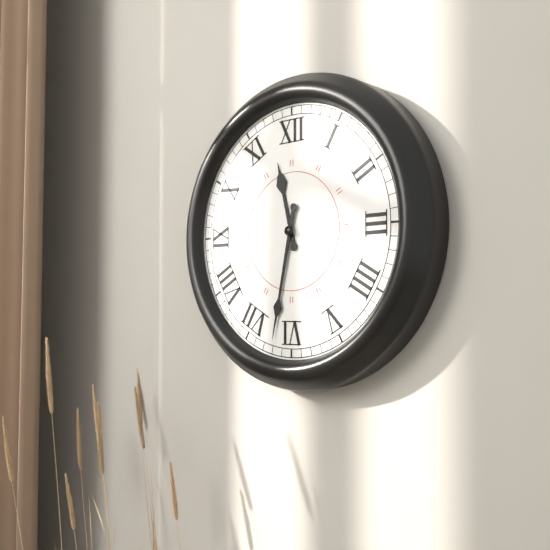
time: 11:32
